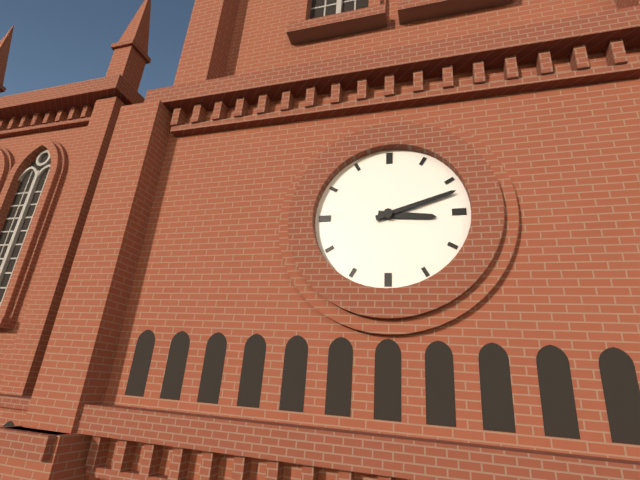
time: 3:12
